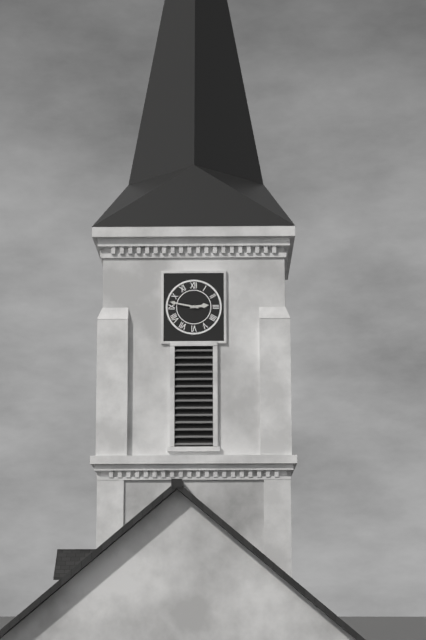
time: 2:47
